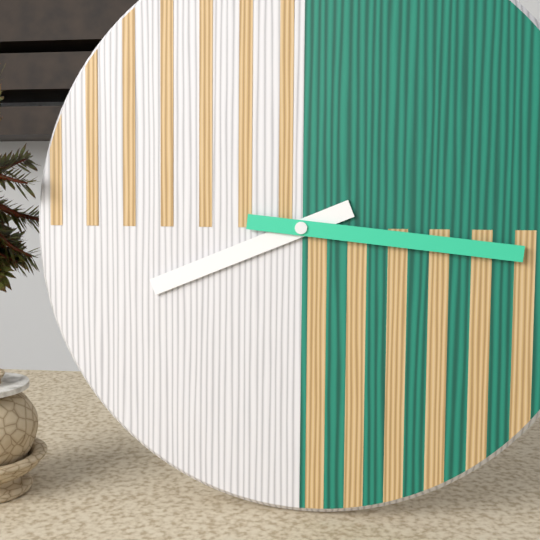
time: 8:16
